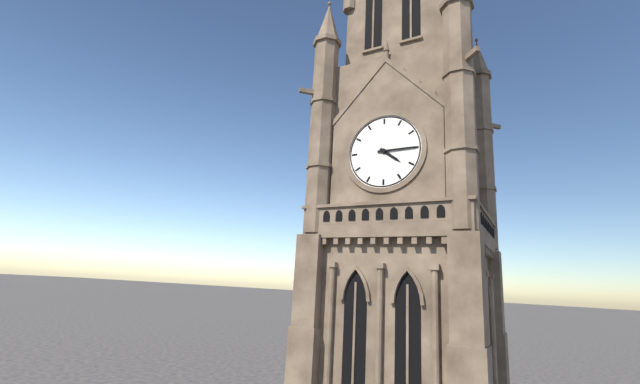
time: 4:15
